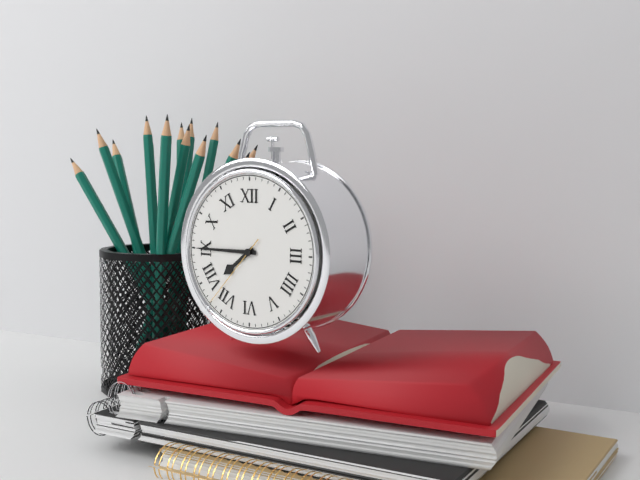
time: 7:45:37
